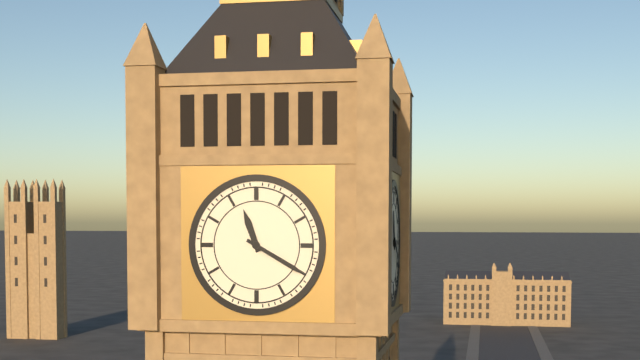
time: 11:20
